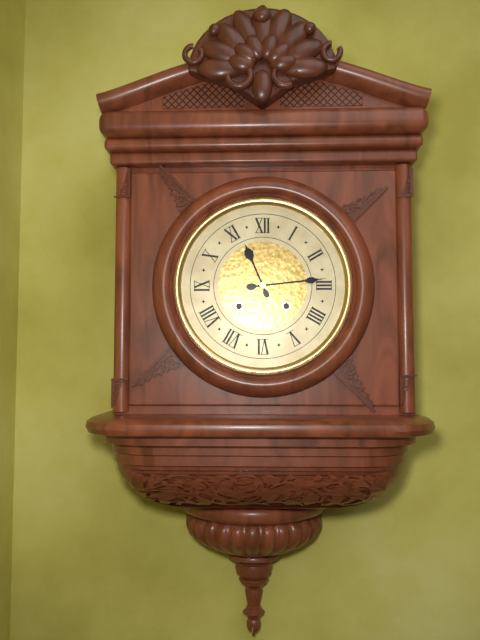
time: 11:14
